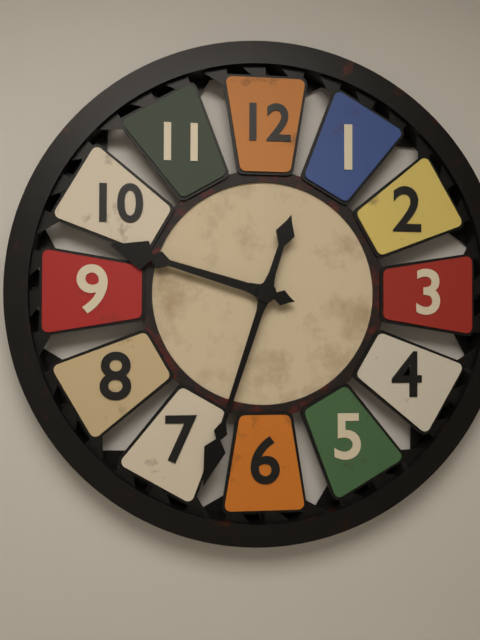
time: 9:33
